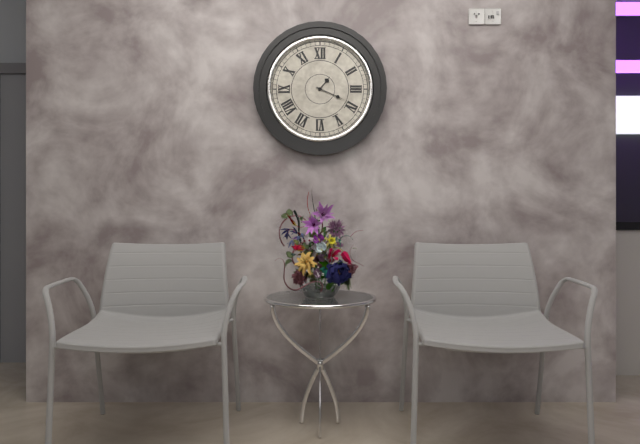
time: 1:19
